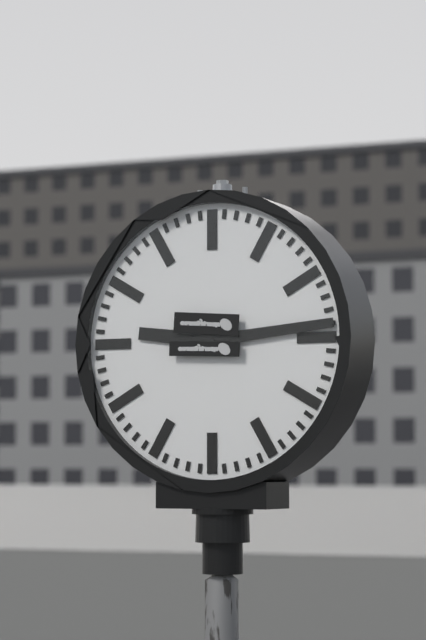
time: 9:14
